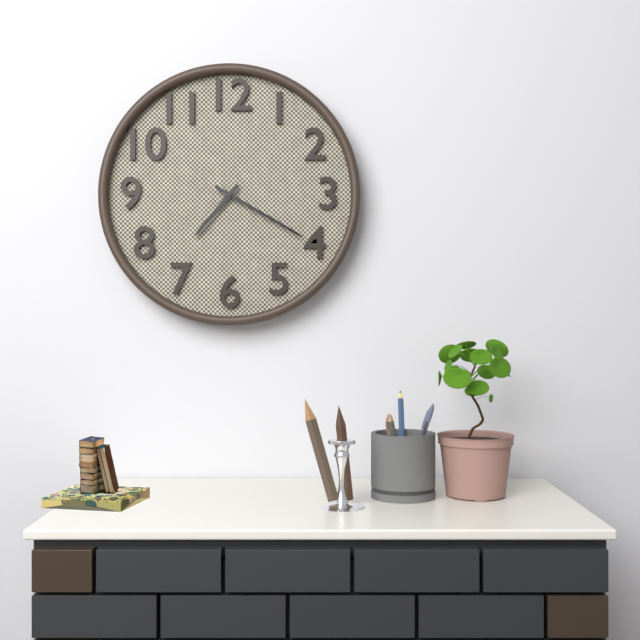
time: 7:20
